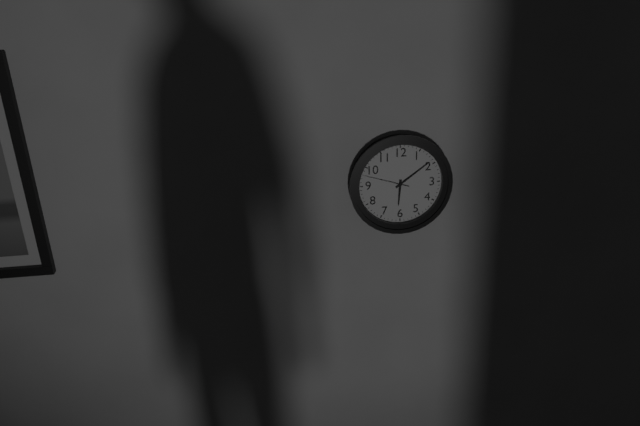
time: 6:09
